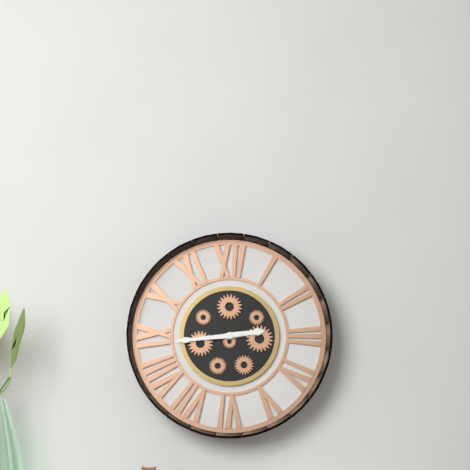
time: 2:44
